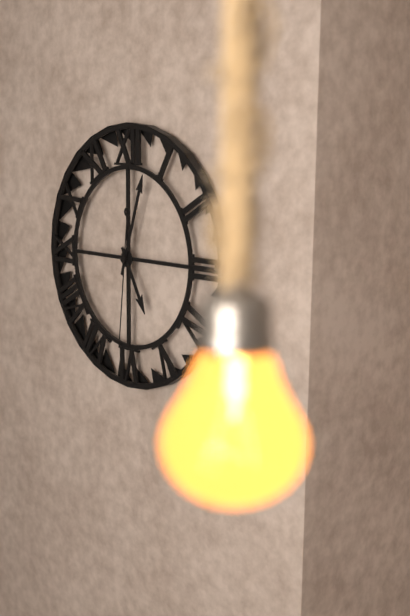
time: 5:03:31
